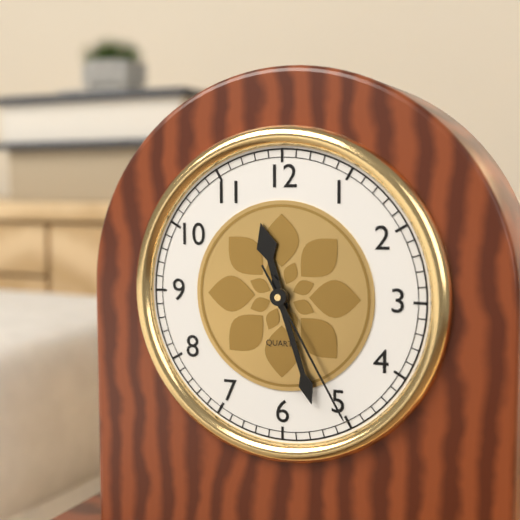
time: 11:27:25
